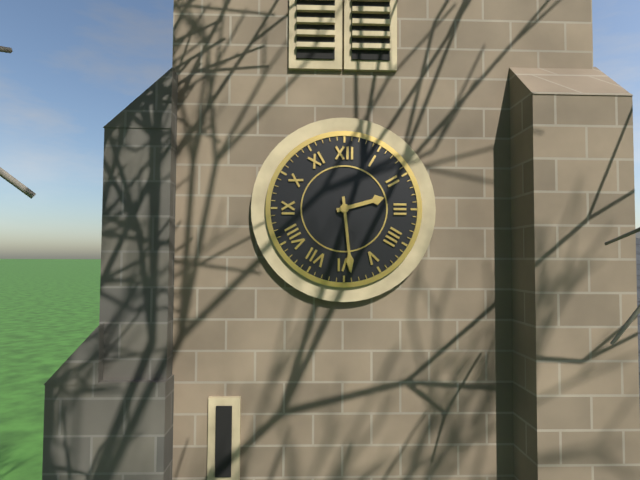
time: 2:29
